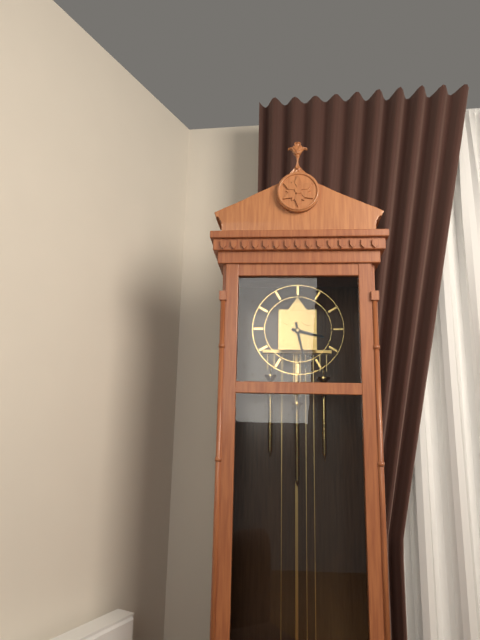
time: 3:28
